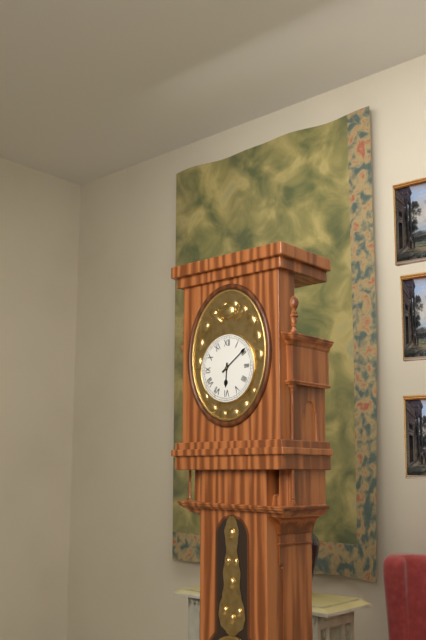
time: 6:09
